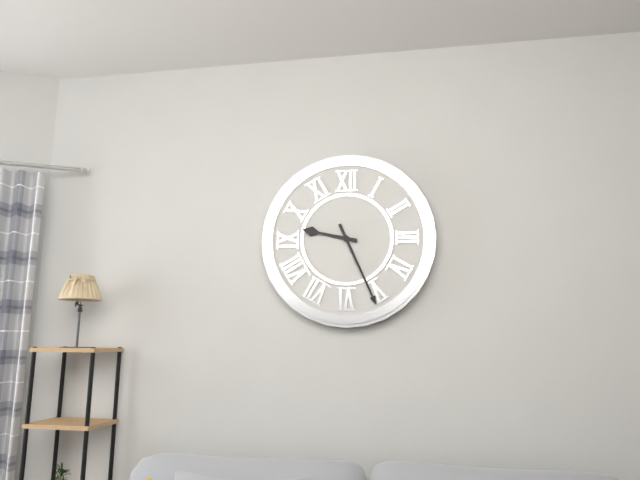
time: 9:26
